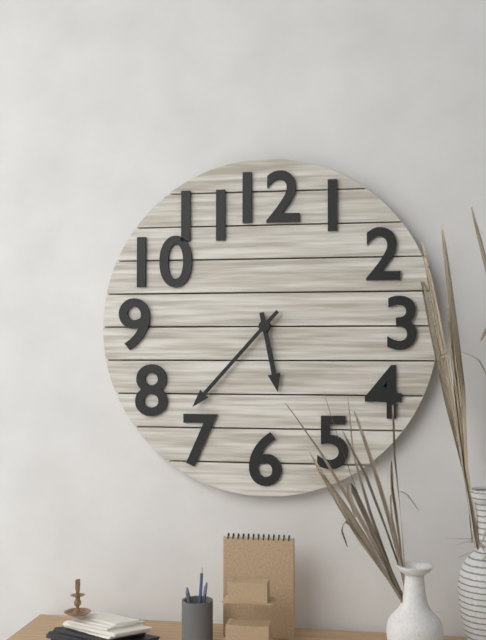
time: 5:37
